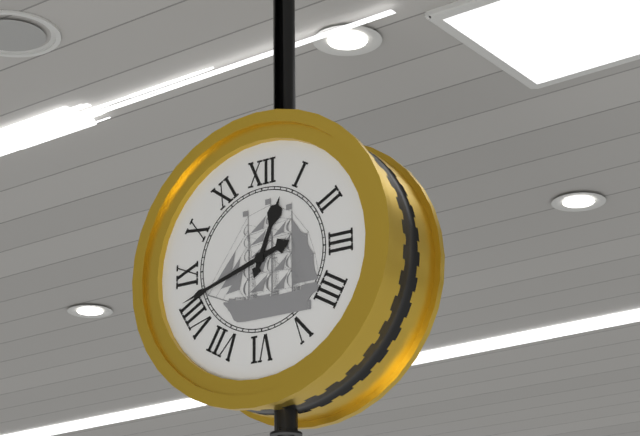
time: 12:42
